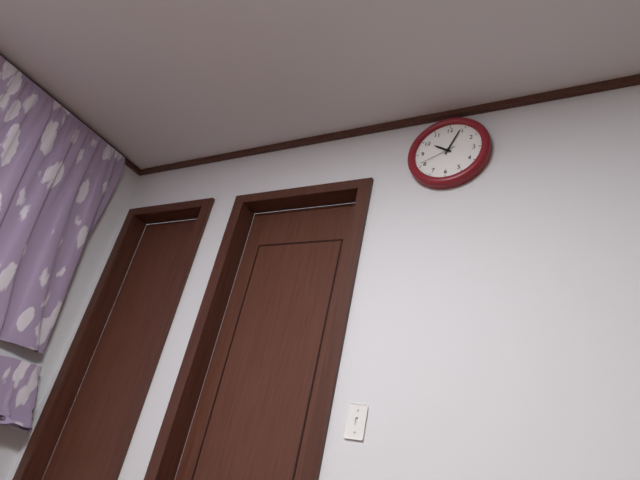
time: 10:04
